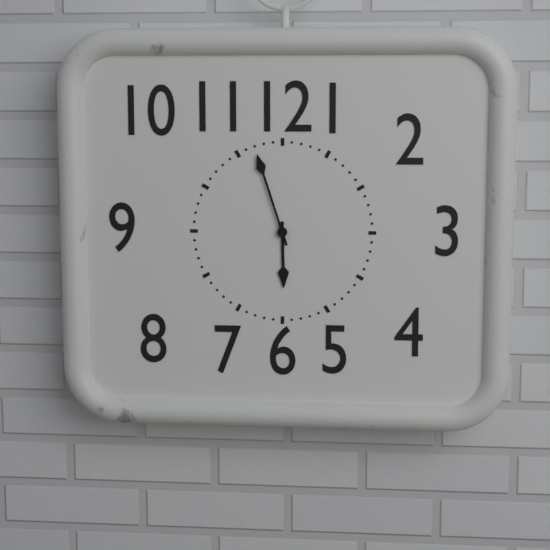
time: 5:57
